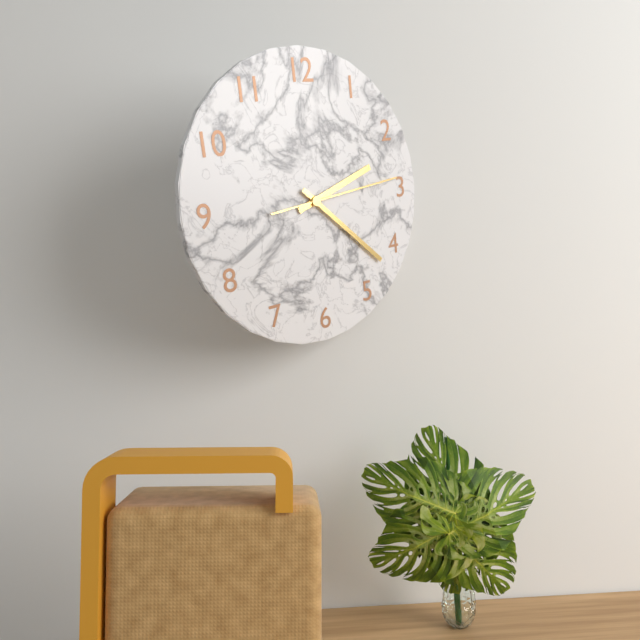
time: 2:22:14
